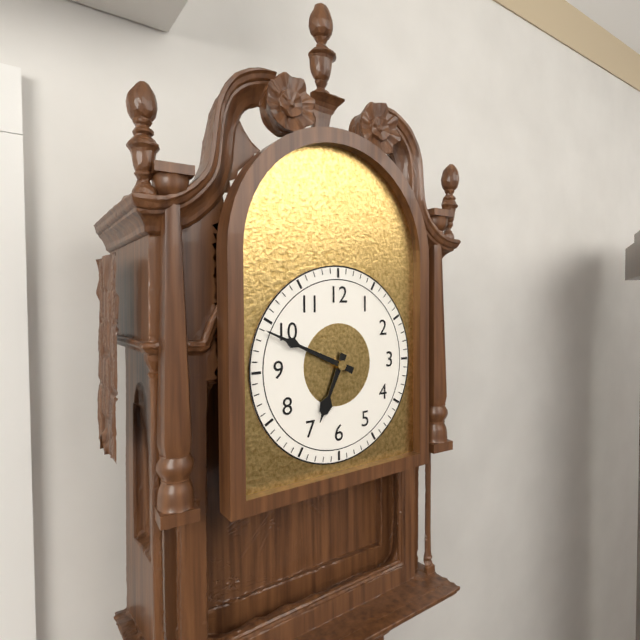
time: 6:49
